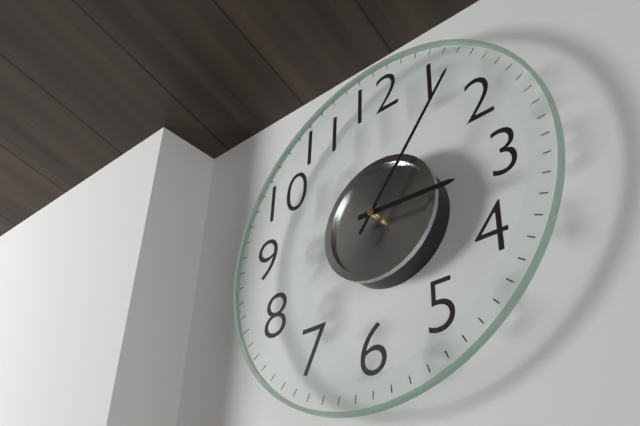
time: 3:06
